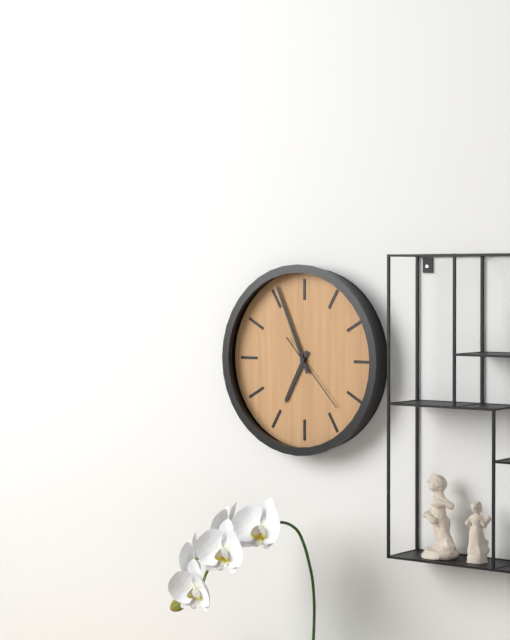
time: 6:56:23
